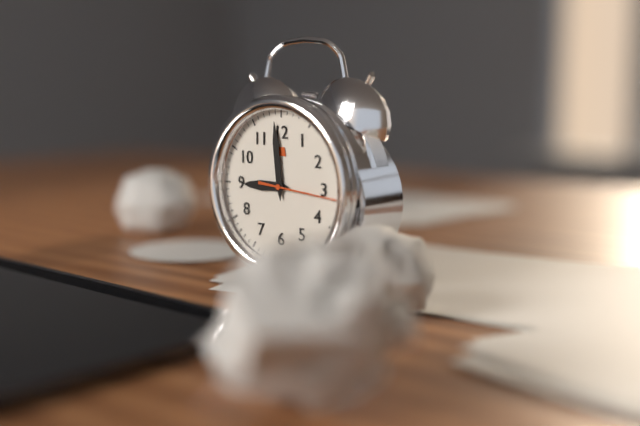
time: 8:59:16
